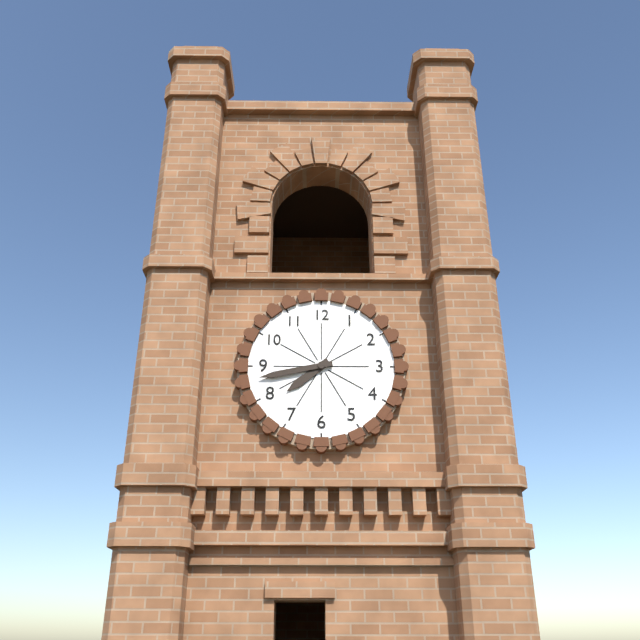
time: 7:43
